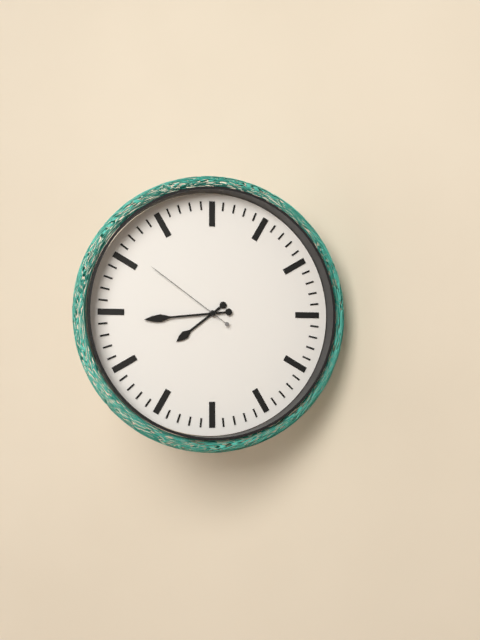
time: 7:44:51
